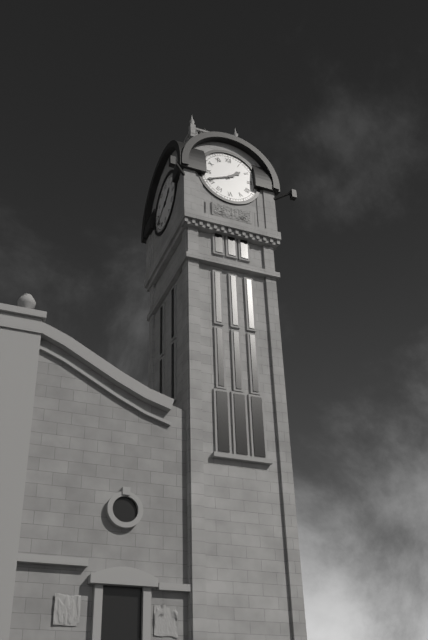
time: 1:41
